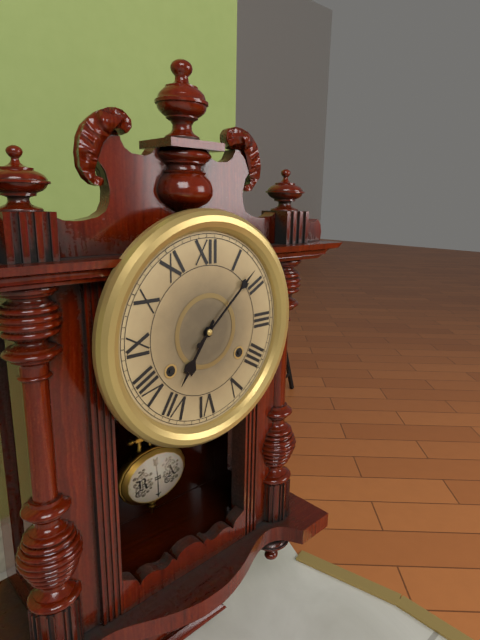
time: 7:08
